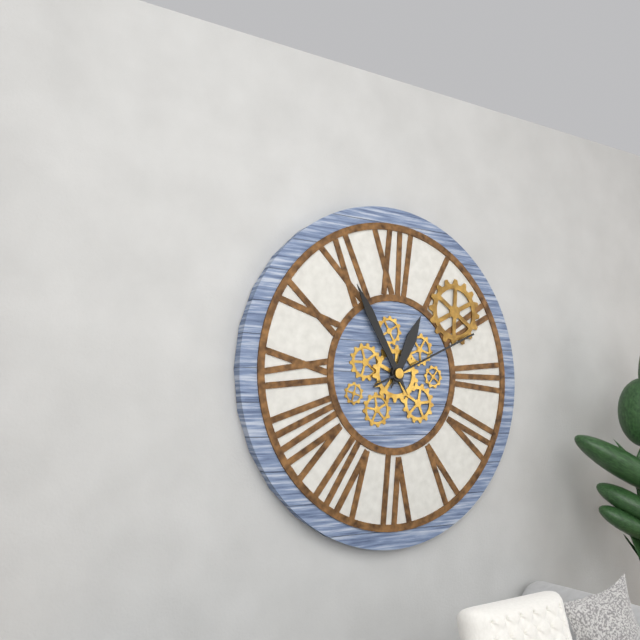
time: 12:55:11
